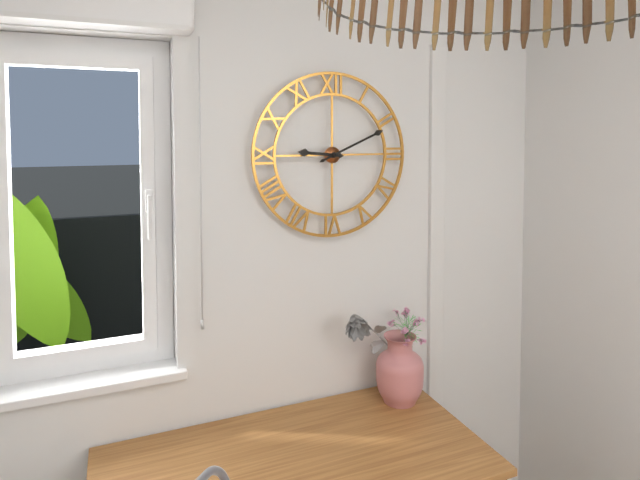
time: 9:11
